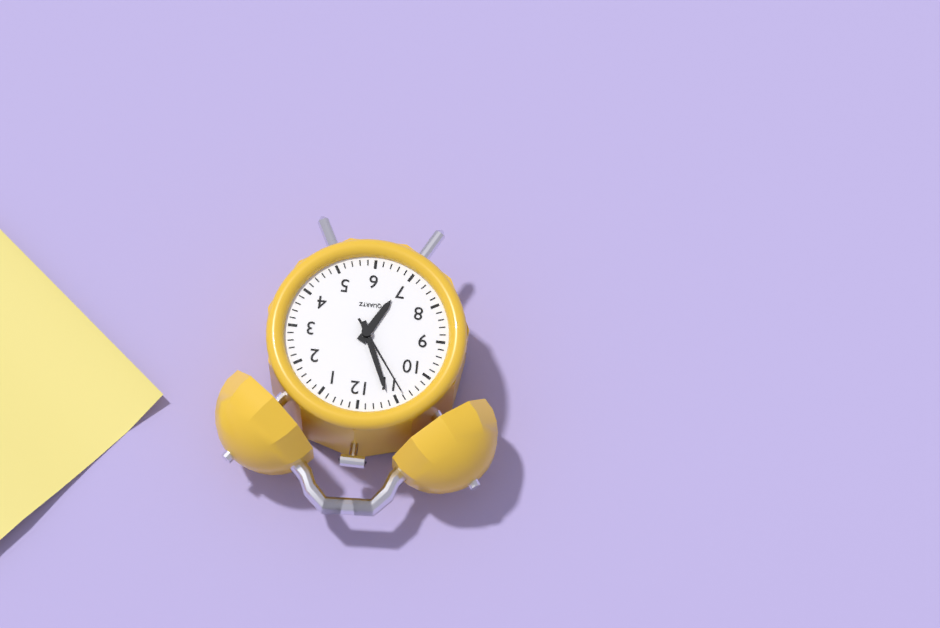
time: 6:56:54
